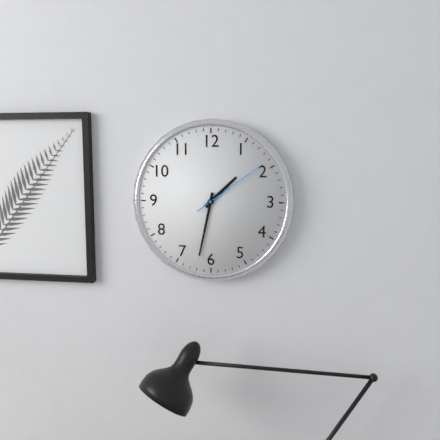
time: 1:32:09
